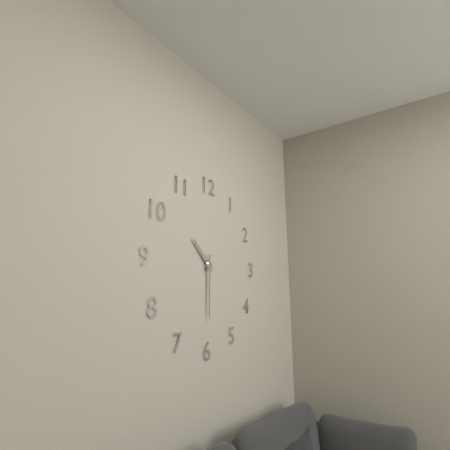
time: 10:30
